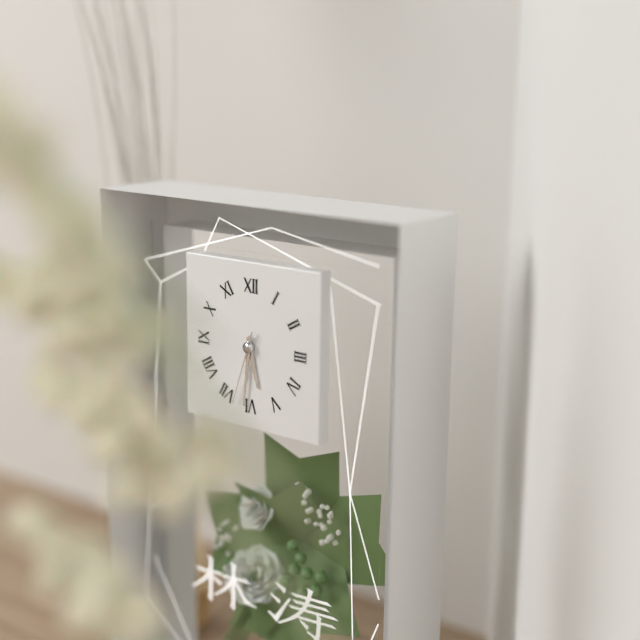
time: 5:31:33
